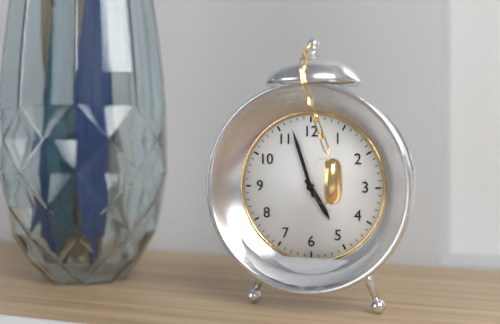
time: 4:57
